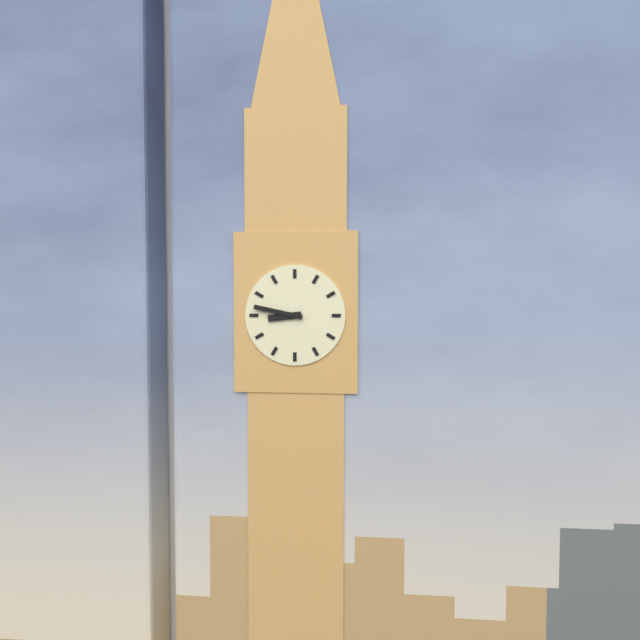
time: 8:47
